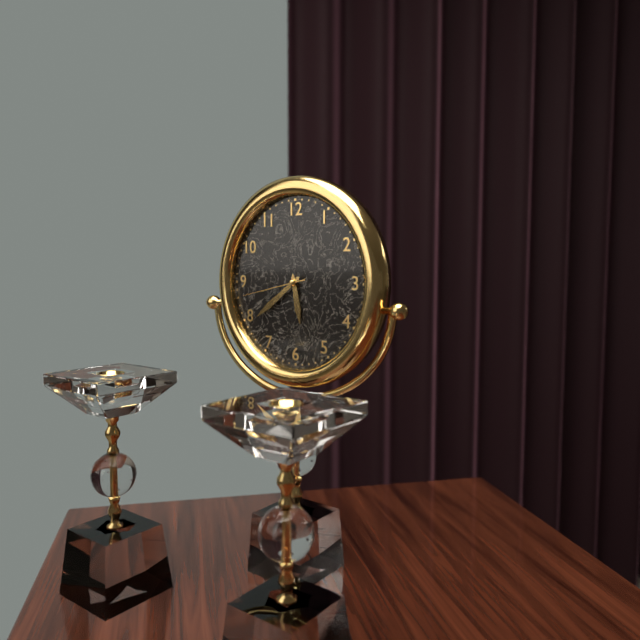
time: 5:39:43
